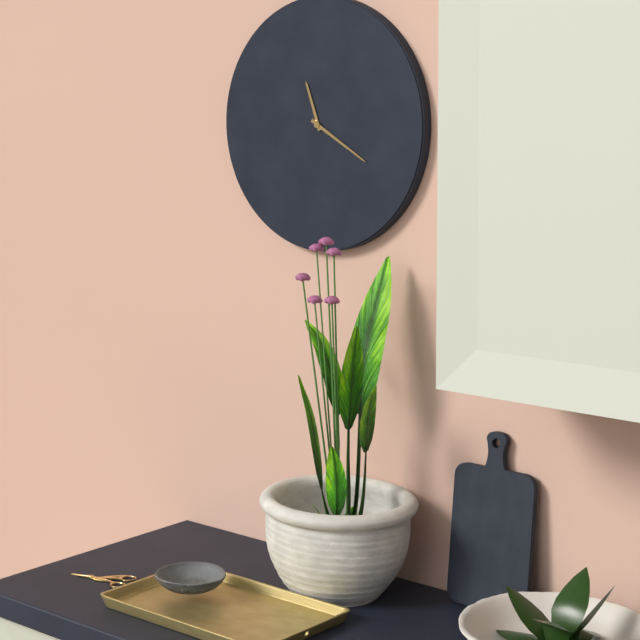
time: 11:20
